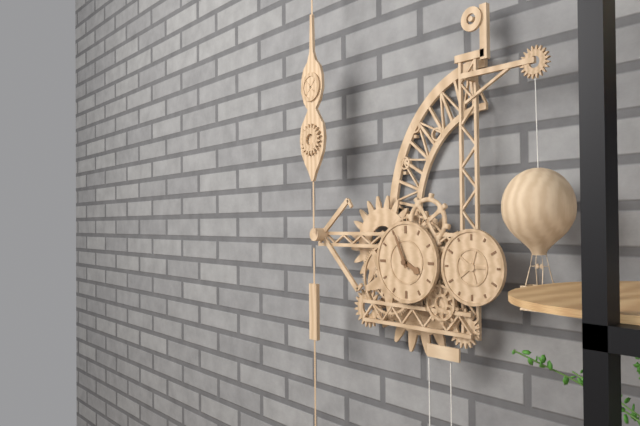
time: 3:56
